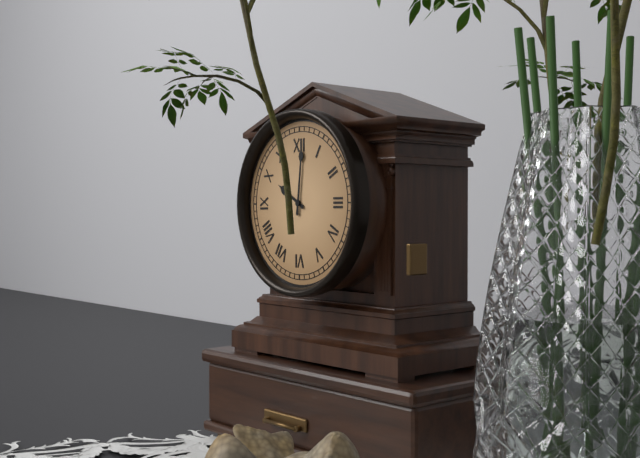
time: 10:01
